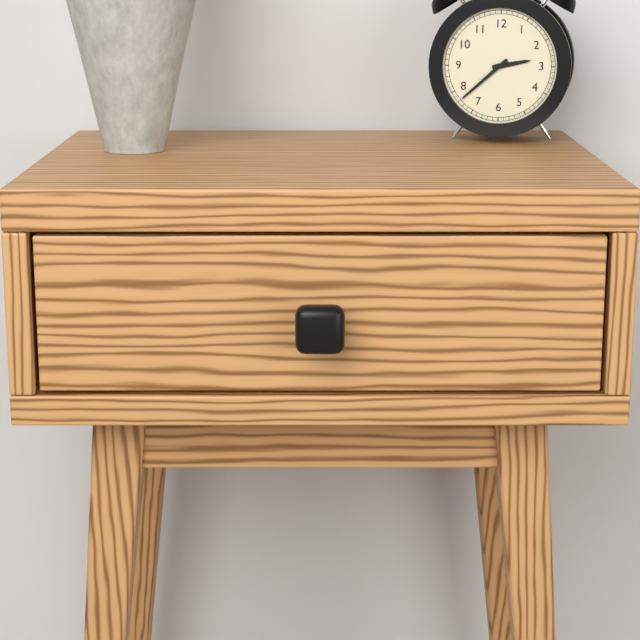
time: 2:38
